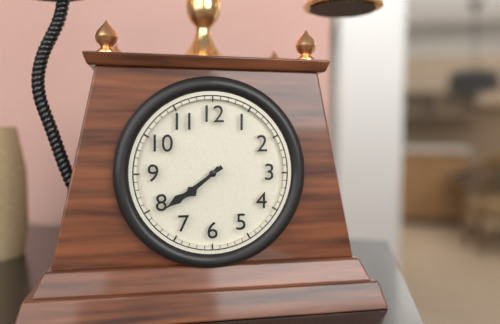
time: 7:39
